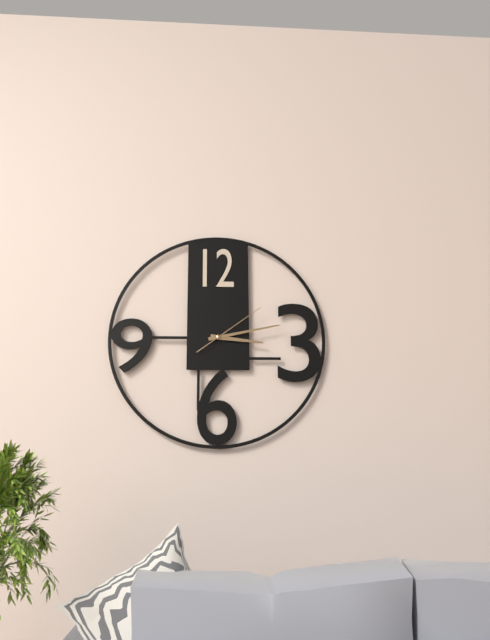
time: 3:13:09
